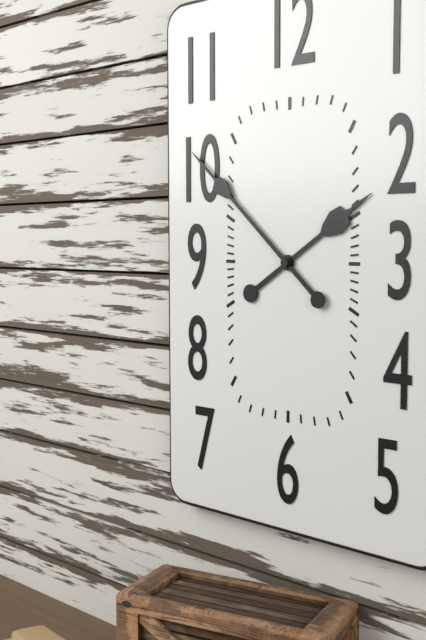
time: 1:52
